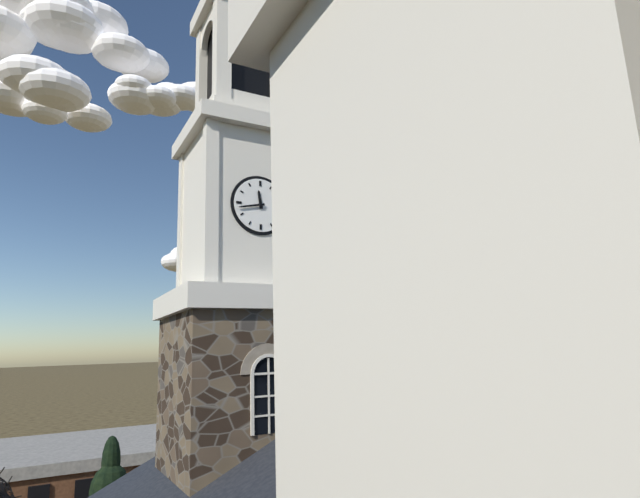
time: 11:43
